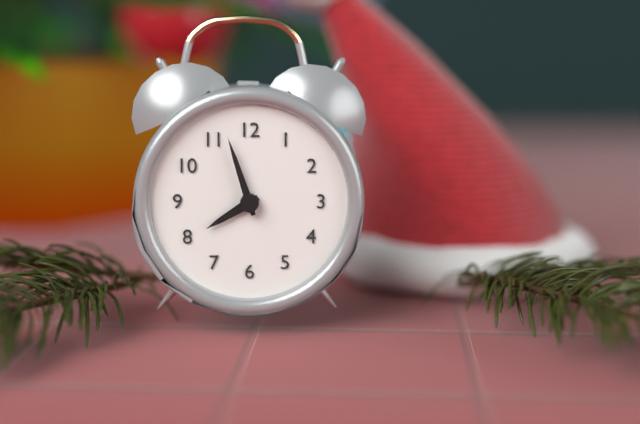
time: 7:57
